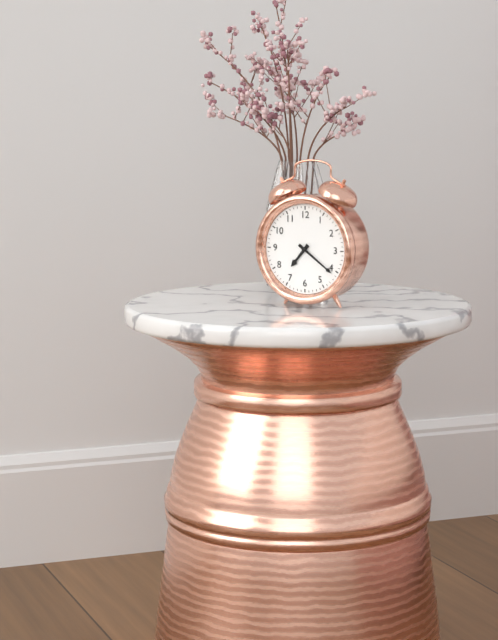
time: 7:21
